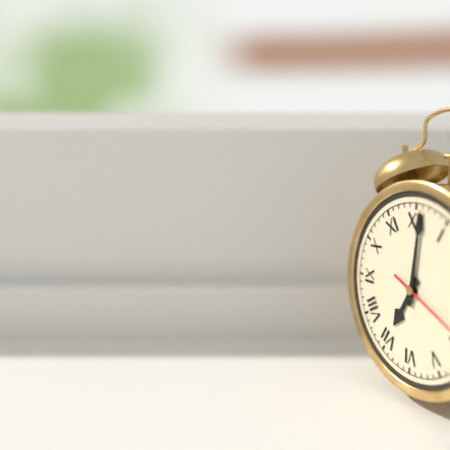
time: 7:01
